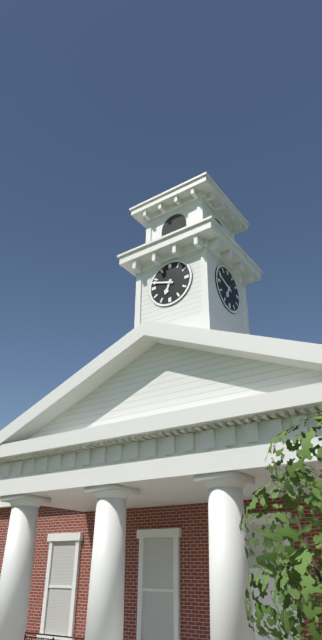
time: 6:48
